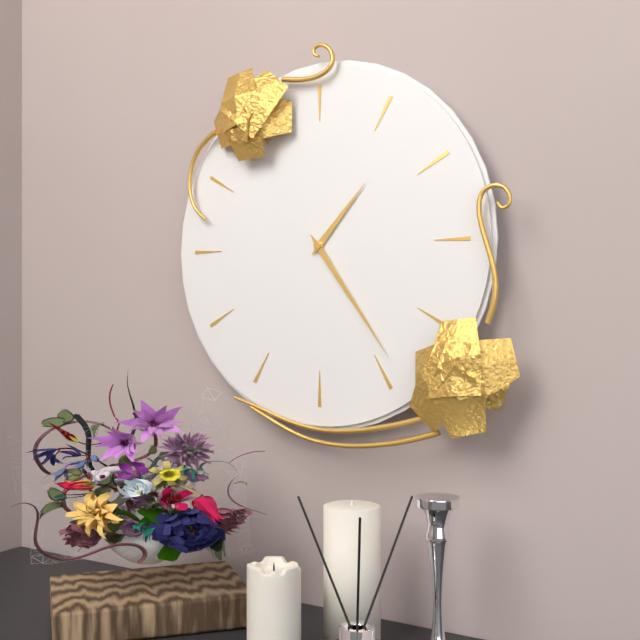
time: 1:24
